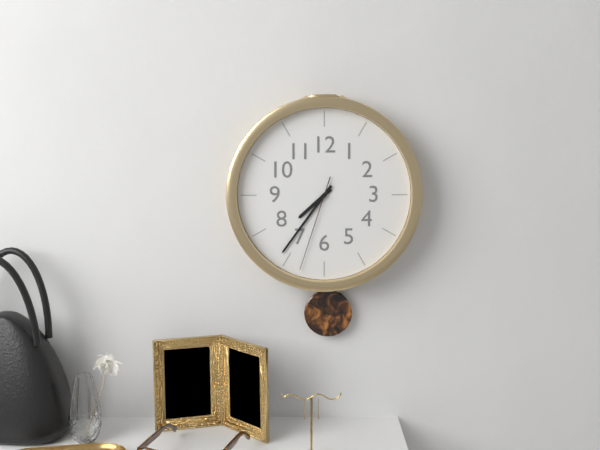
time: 7:36:33
